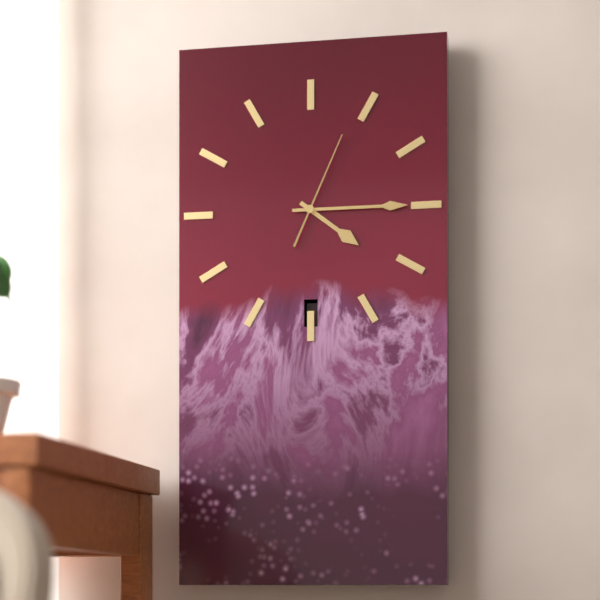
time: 4:15:04
